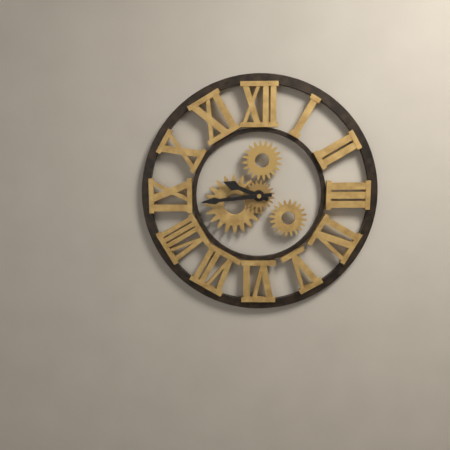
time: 9:44
